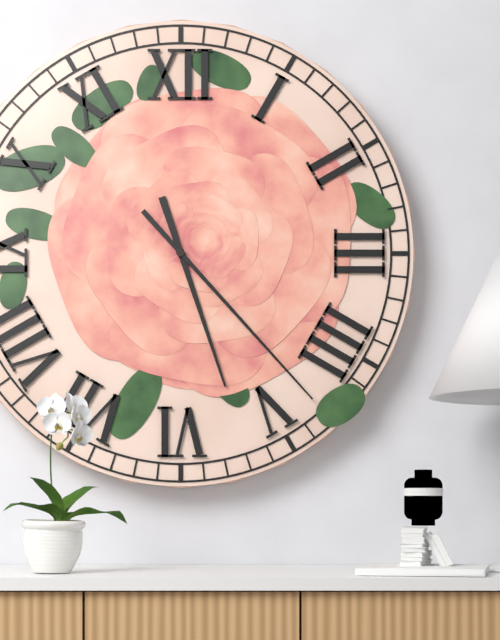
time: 5:23
